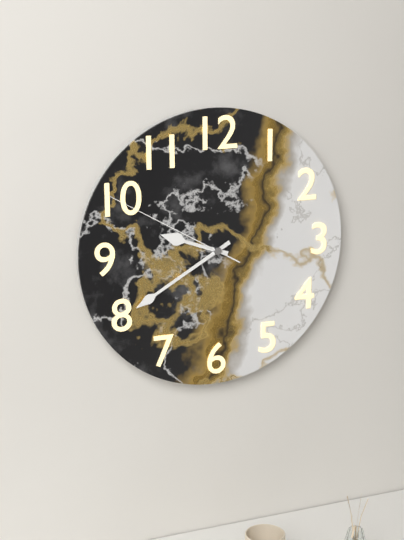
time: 9:40:50
